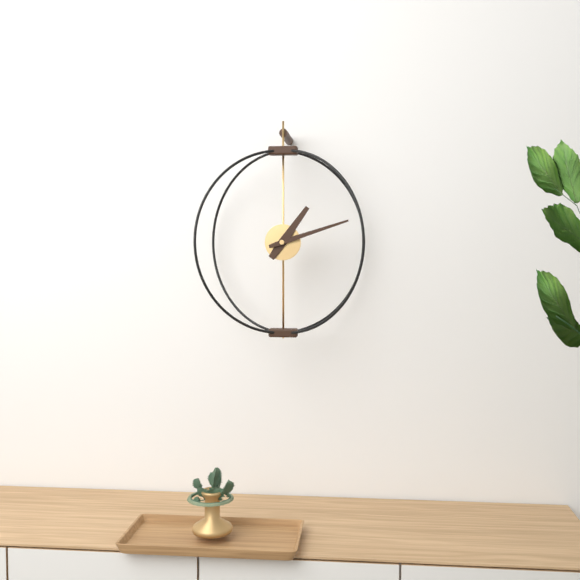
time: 1:12
